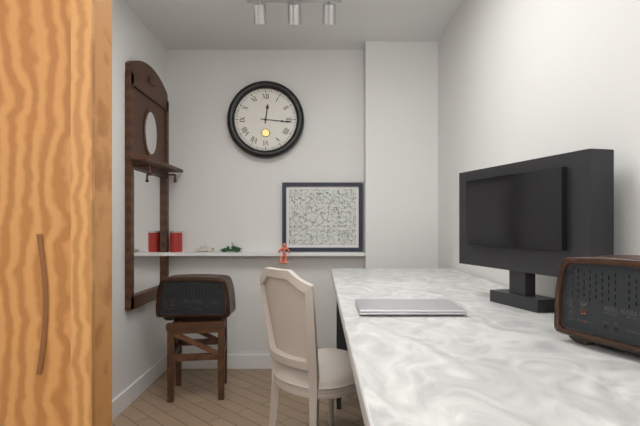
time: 12:16
